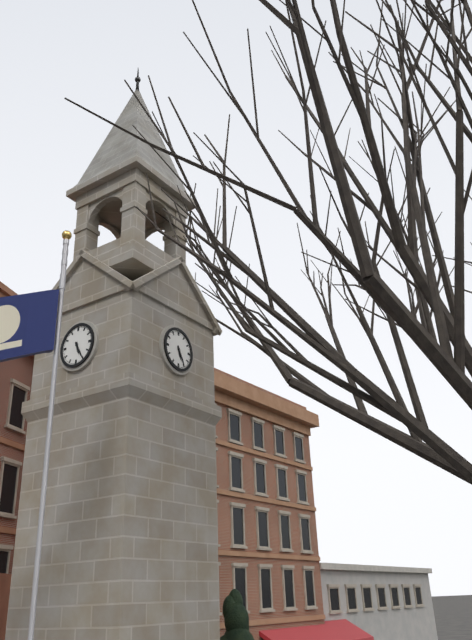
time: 5:25
